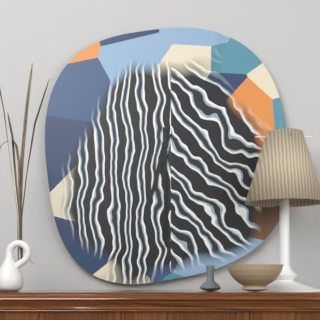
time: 6:30
